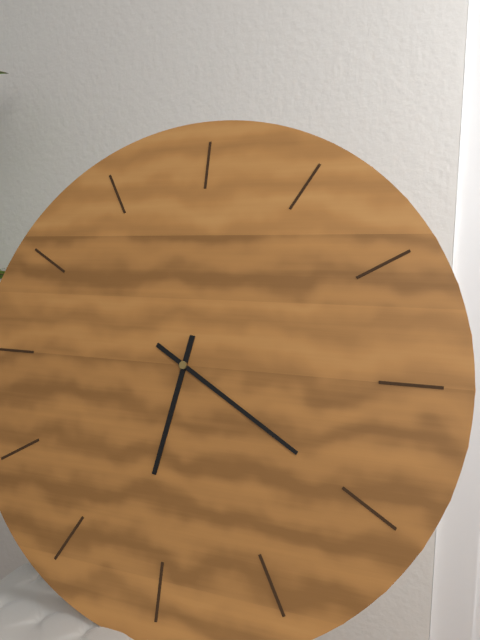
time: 6:20
